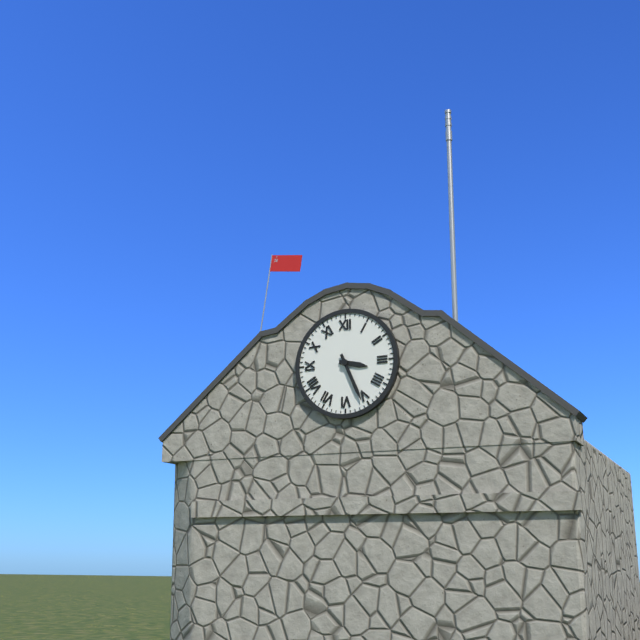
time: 3:26
